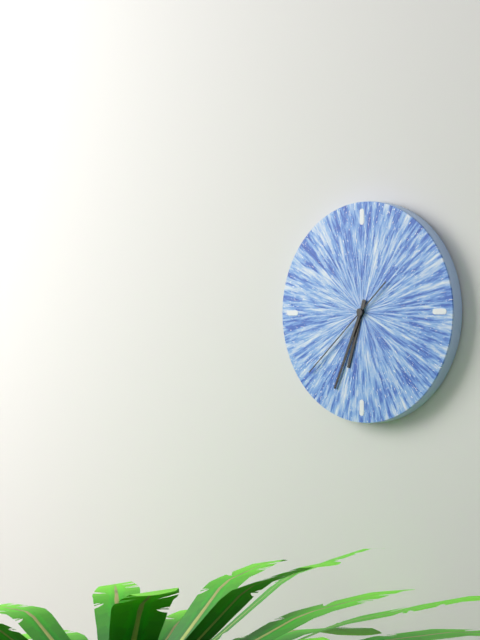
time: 6:34:38
